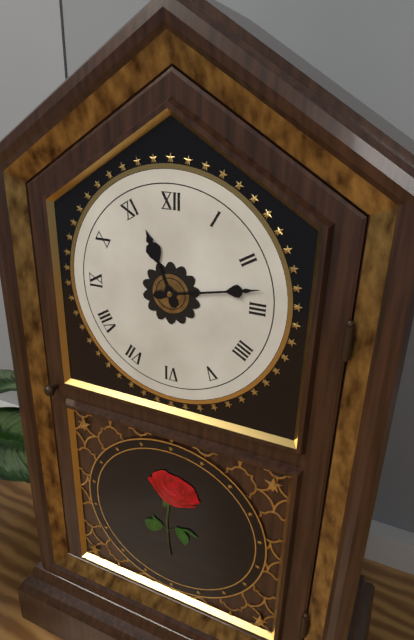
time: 11:13
